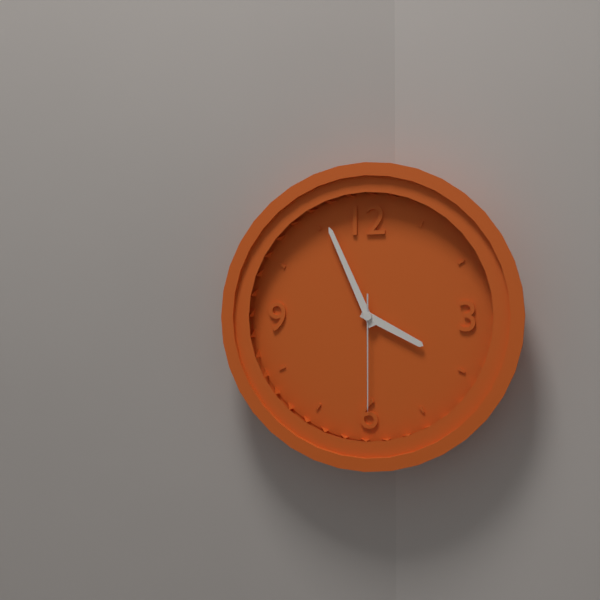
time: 3:56:30
